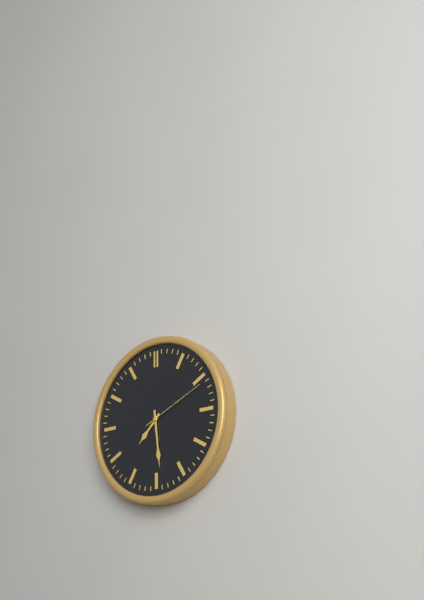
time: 7:29:11
